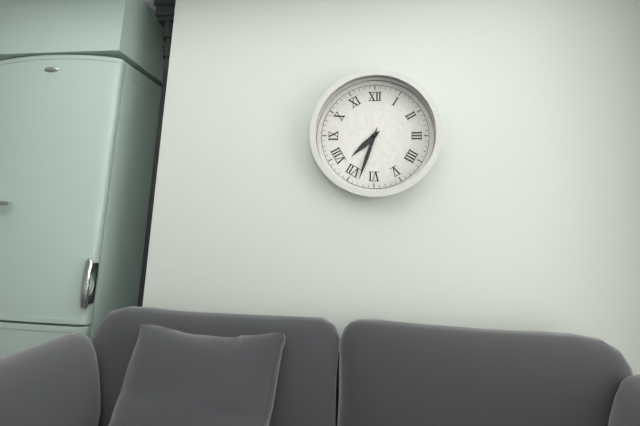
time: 7:33
